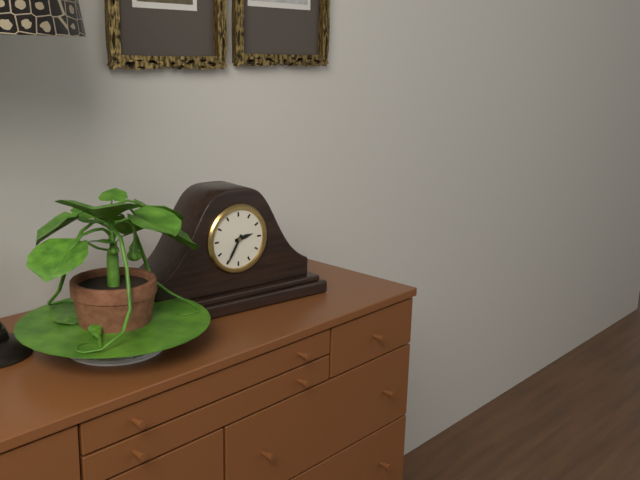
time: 2:35
